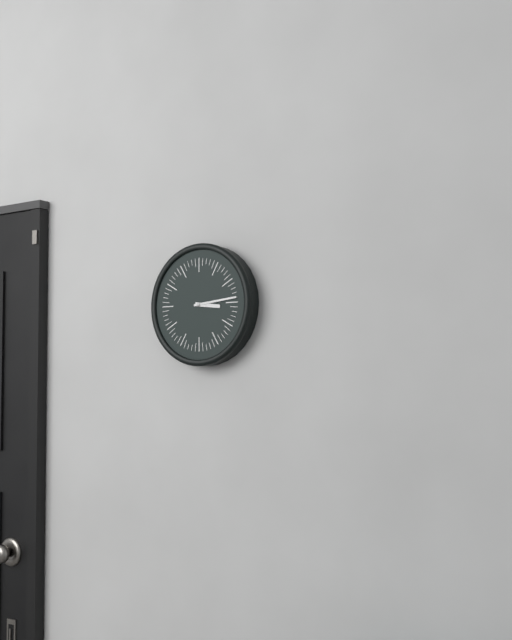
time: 3:14
